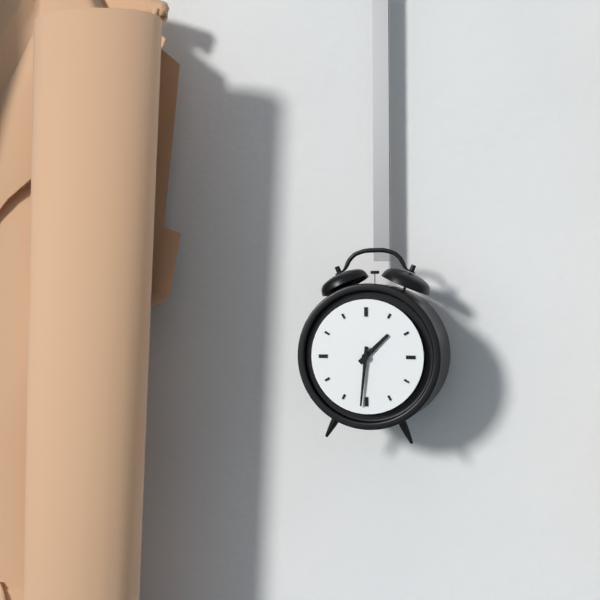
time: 1:31
